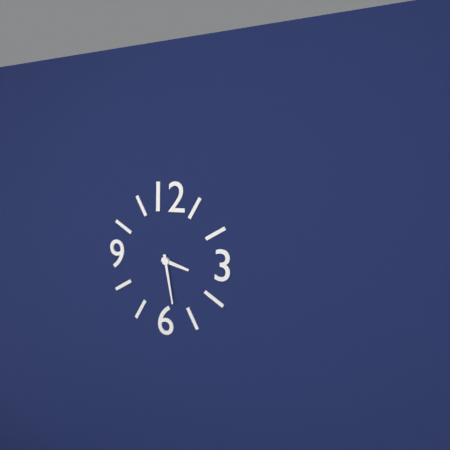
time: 3:28
